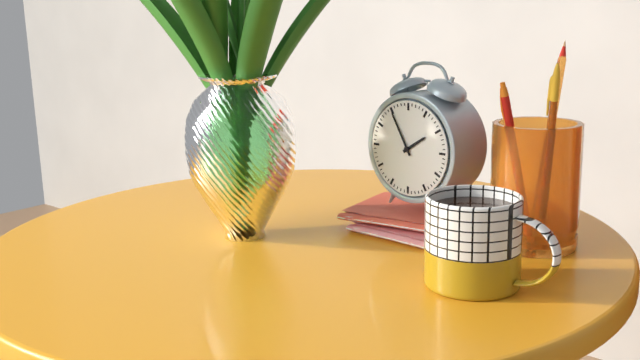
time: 1:55
